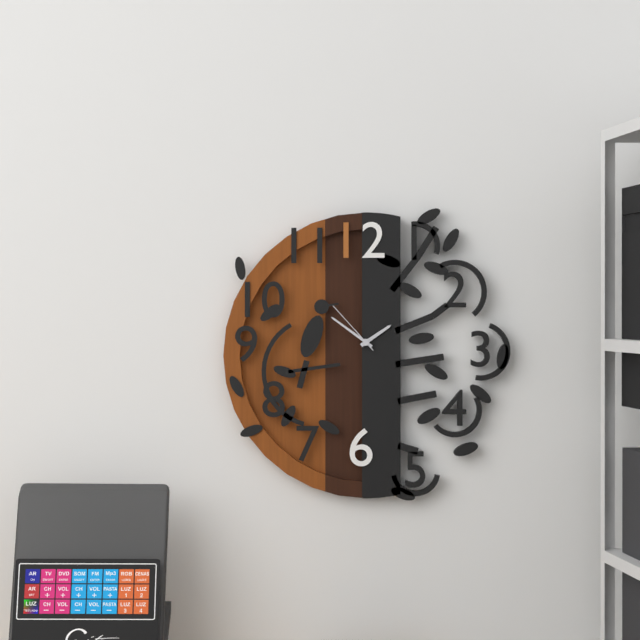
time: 1:51:53
